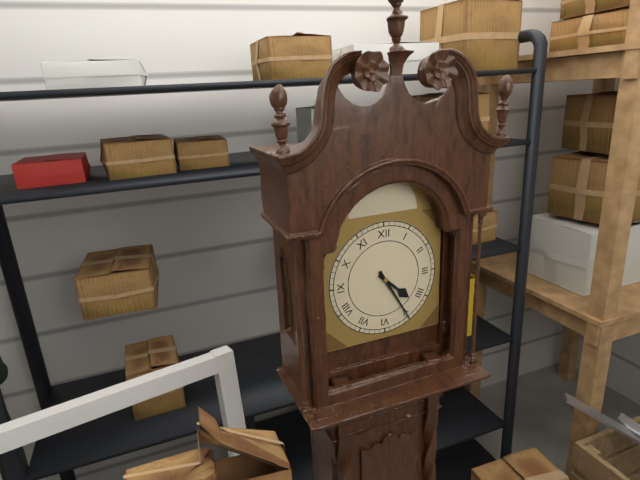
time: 4:25
